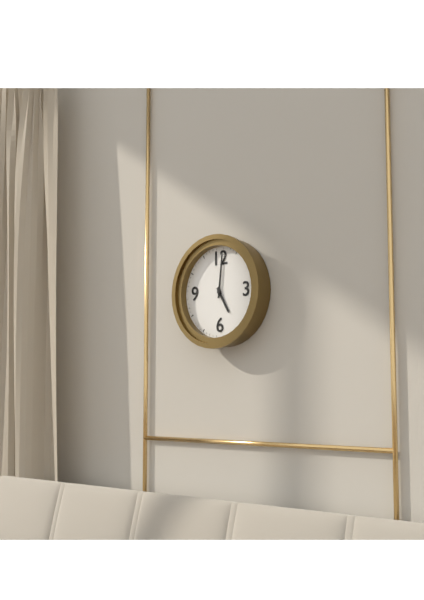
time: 5:01
